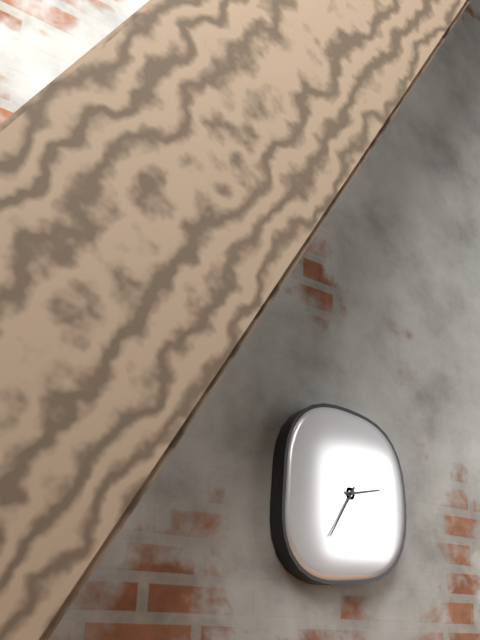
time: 2:35
